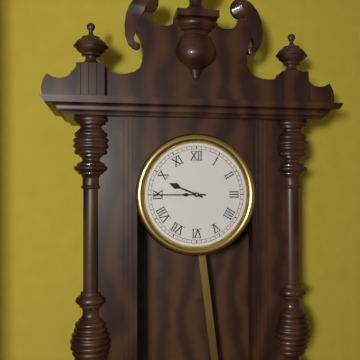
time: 9:45
